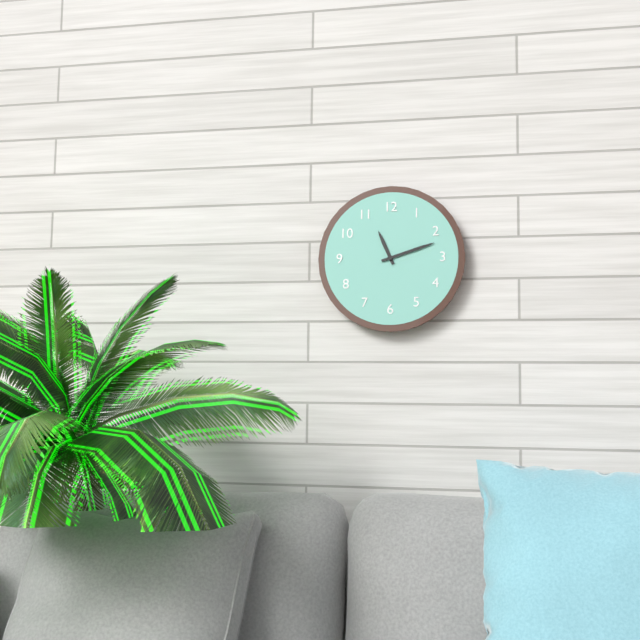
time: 11:12
